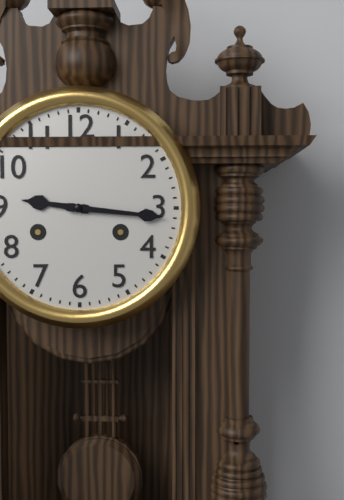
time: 9:16
